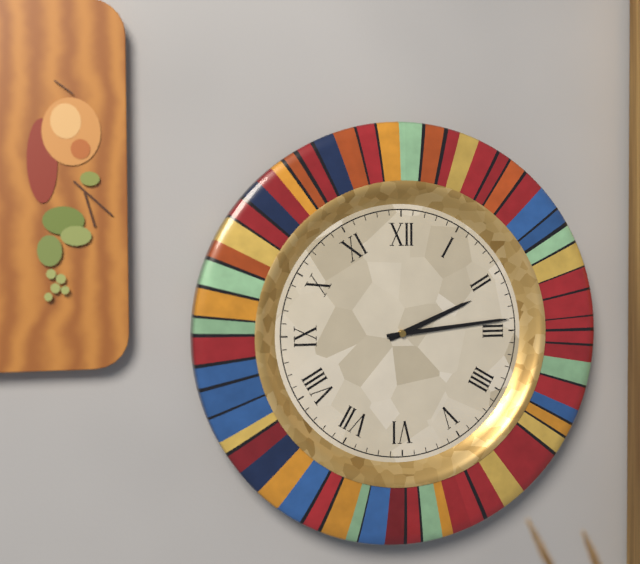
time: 2:14
